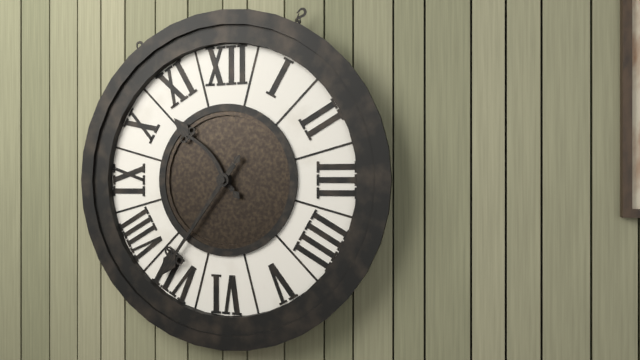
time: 10:36
